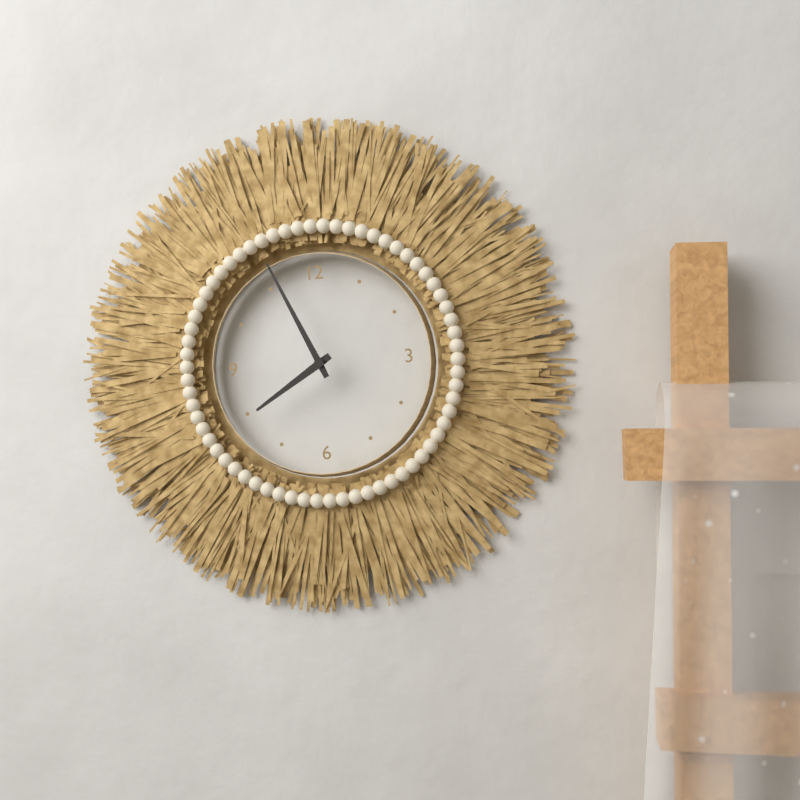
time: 7:56
